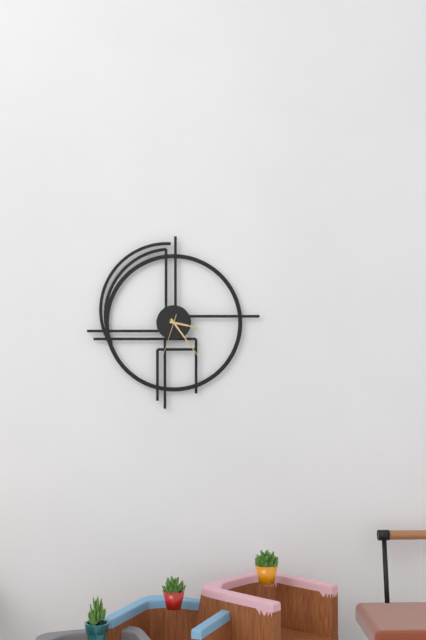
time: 3:24
